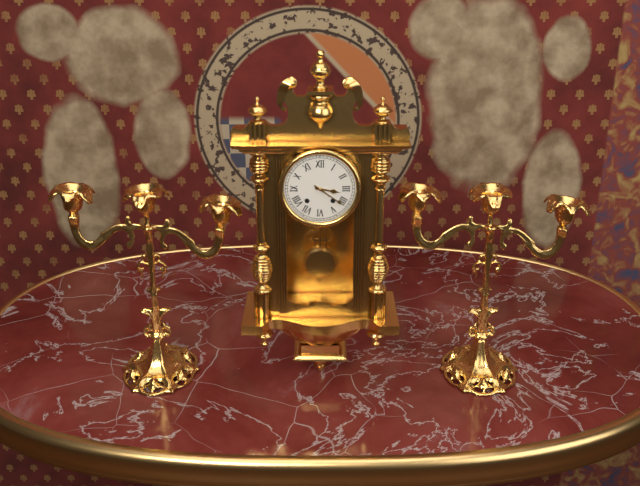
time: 3:21
